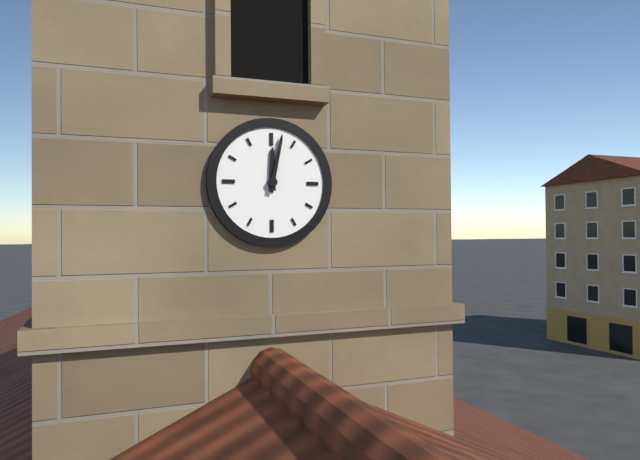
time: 12:02
